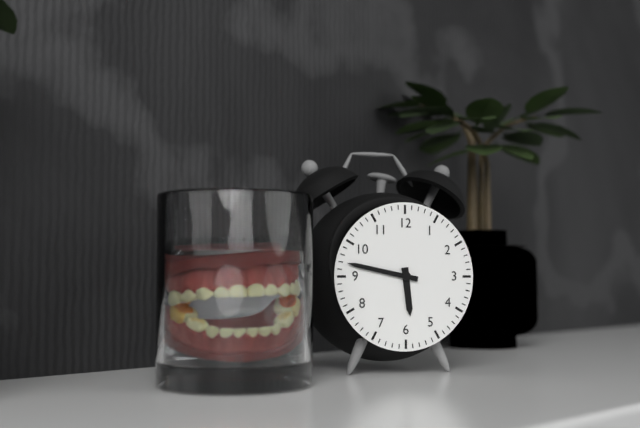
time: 5:47
